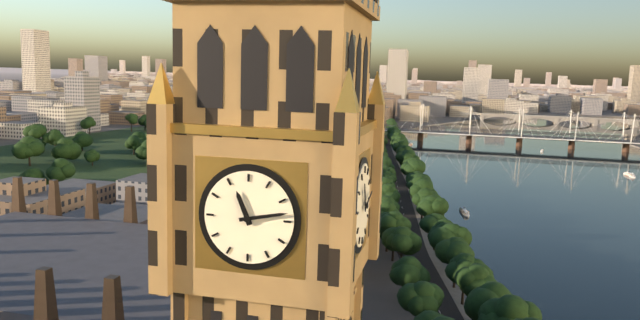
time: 11:13
